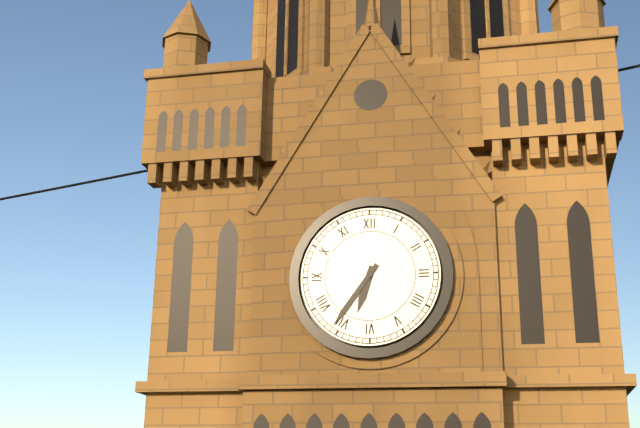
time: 6:36
